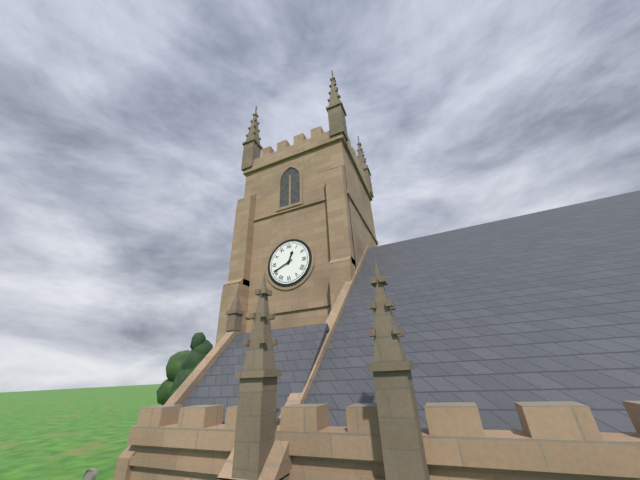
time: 12:41
